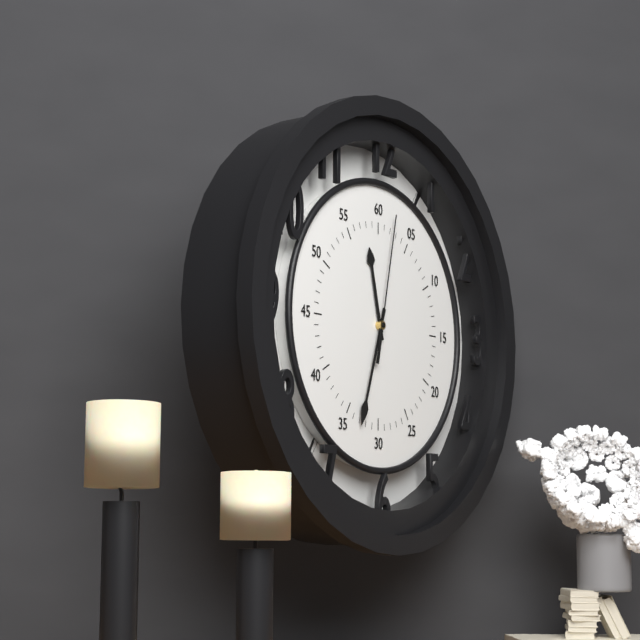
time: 11:33:02
